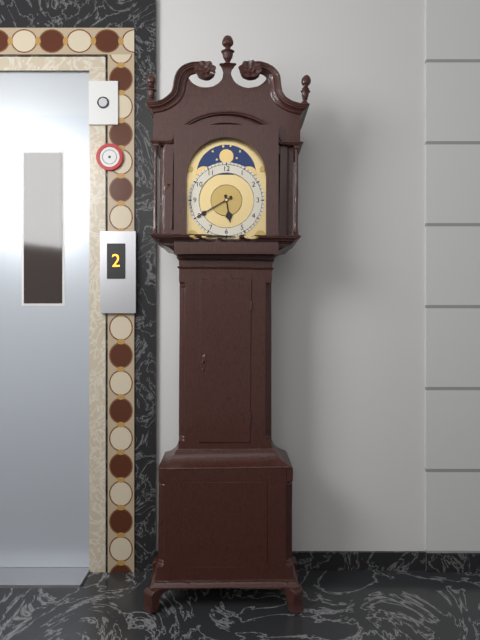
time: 5:40
